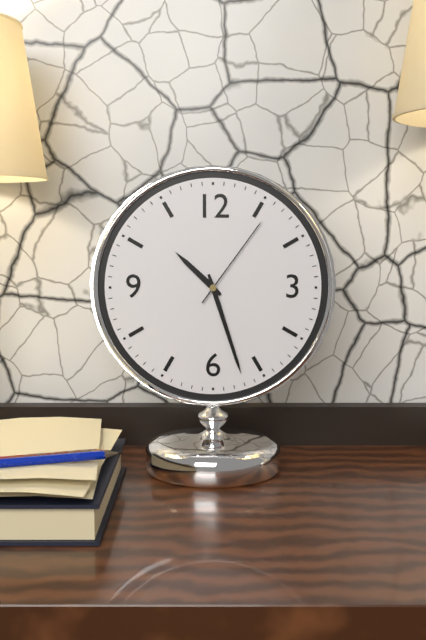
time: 10:27:06
